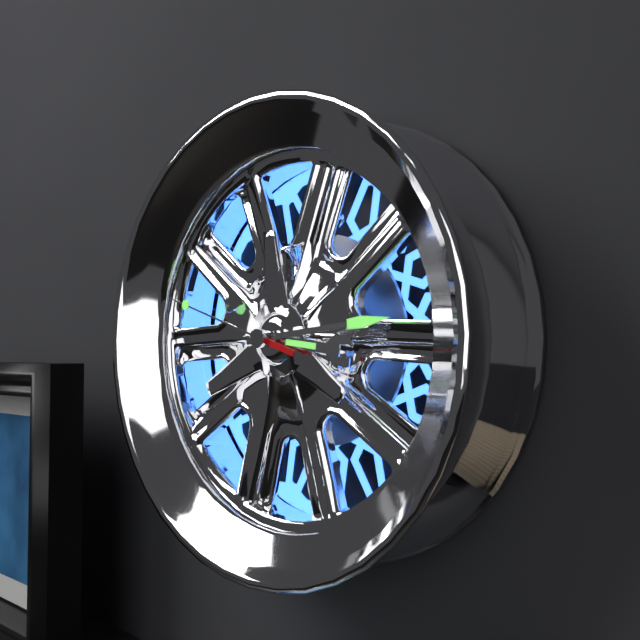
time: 3:14:48
